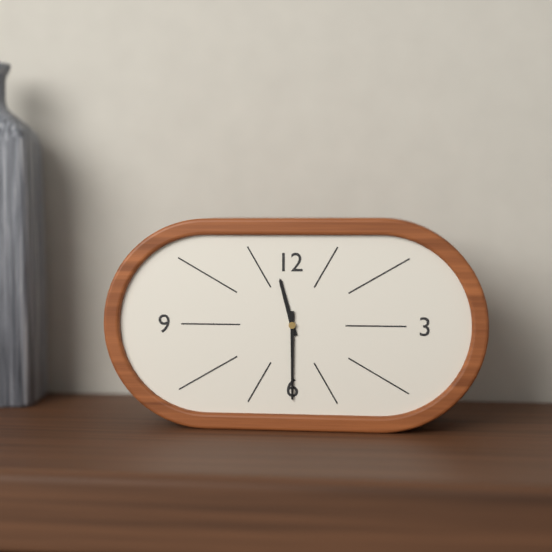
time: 11:30
